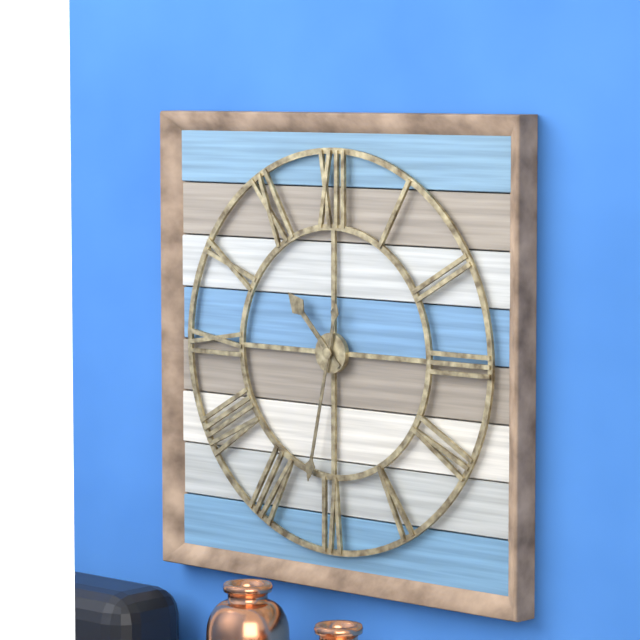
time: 10:32
